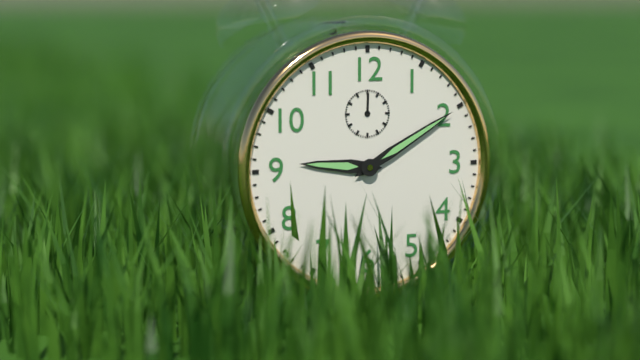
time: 9:10
